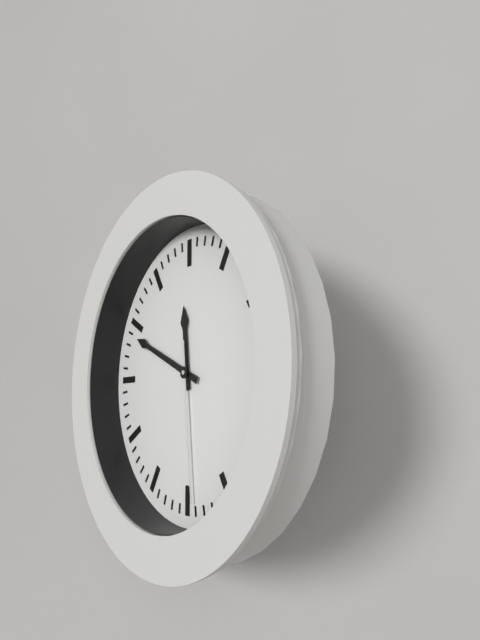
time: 11:49:29
